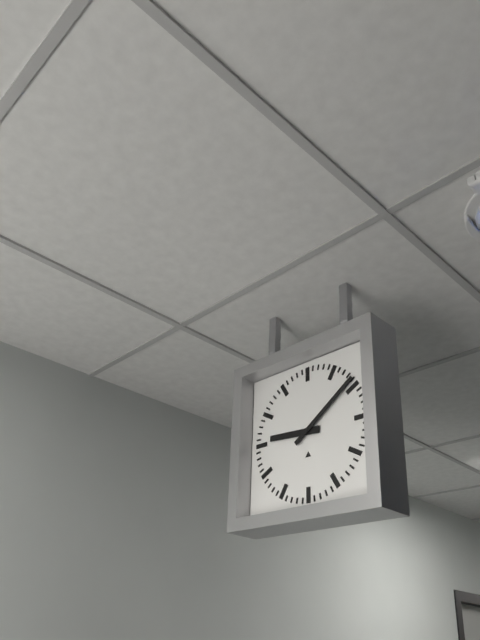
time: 9:09
